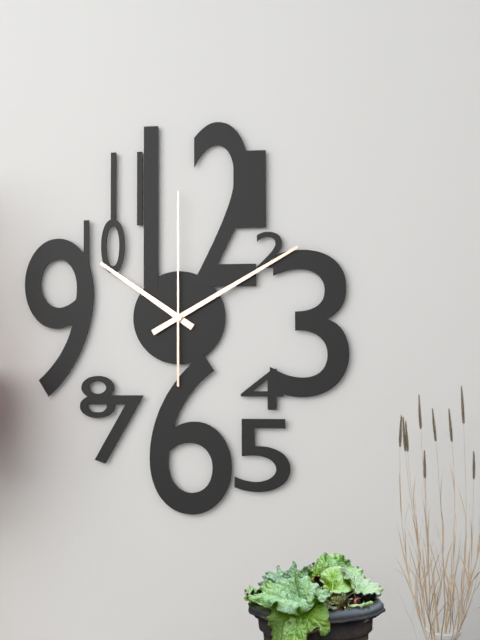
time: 10:10:00
